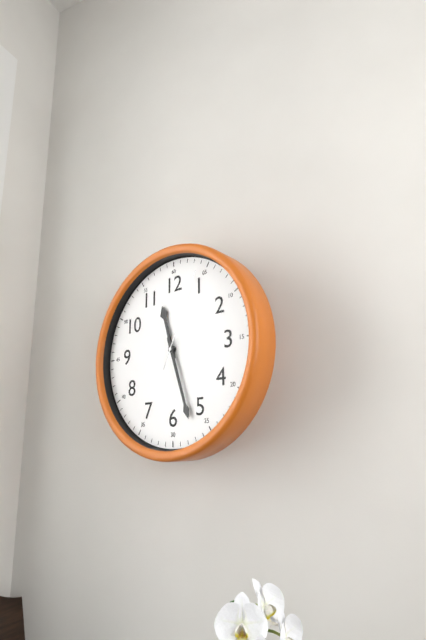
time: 11:27:04
